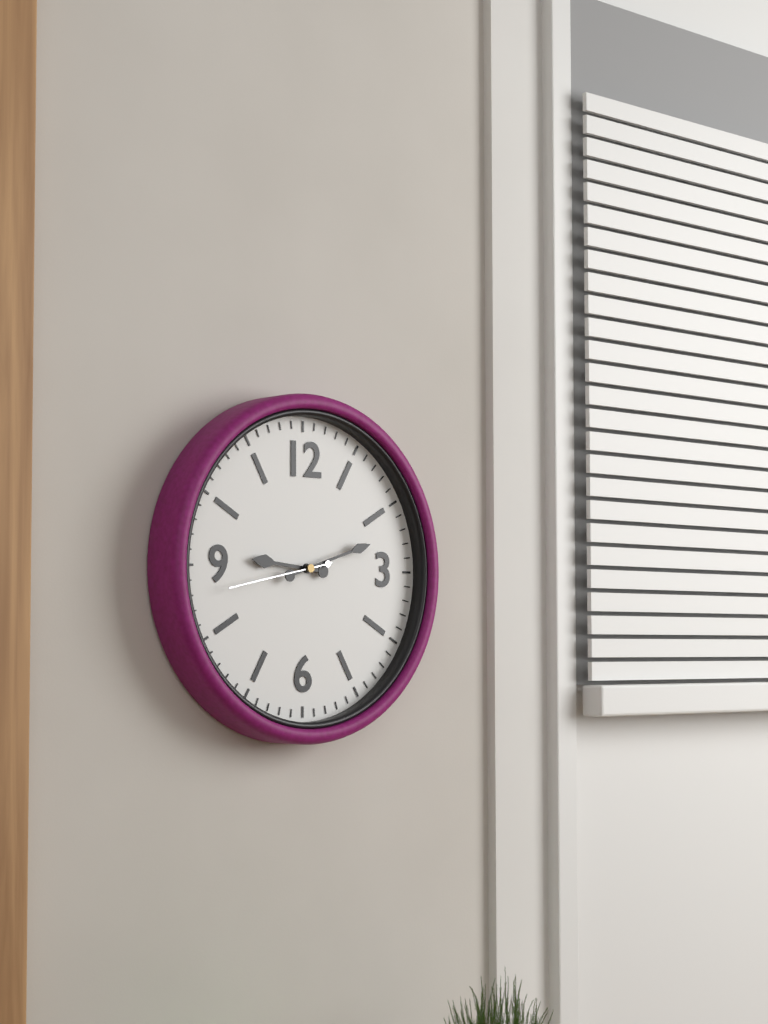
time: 9:12:43
